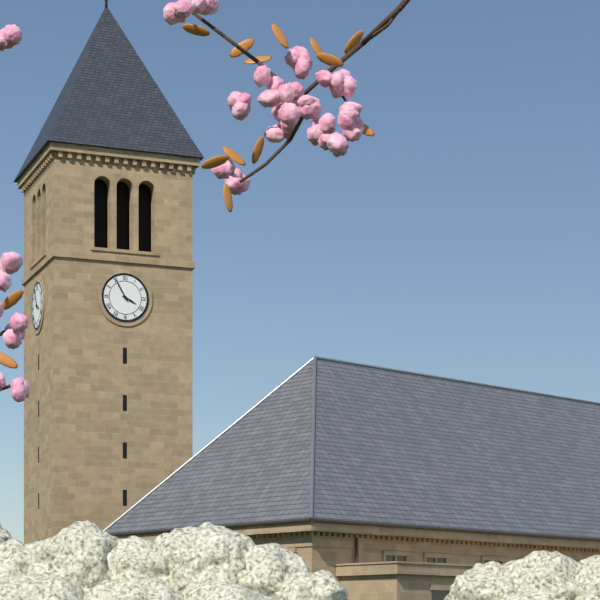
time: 3:55
